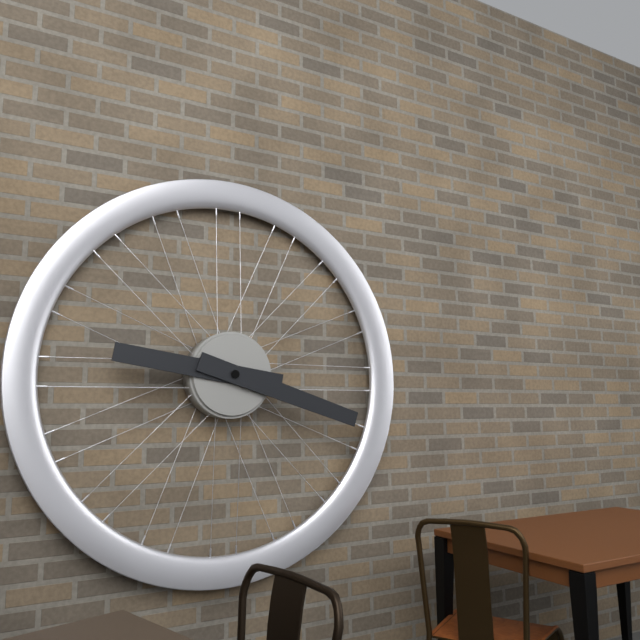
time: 9:18
